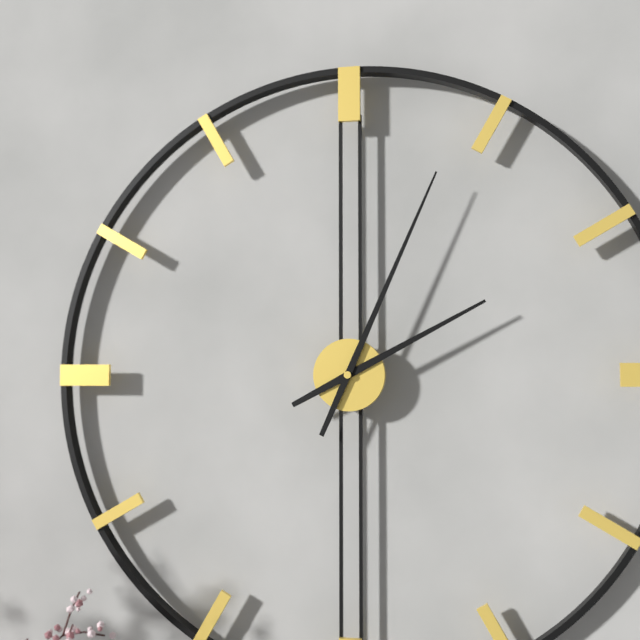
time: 2:04
